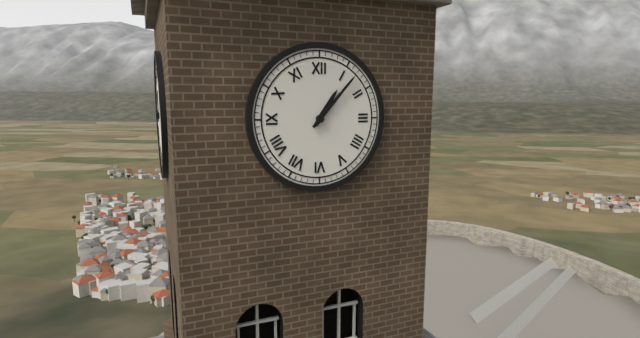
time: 1:07
